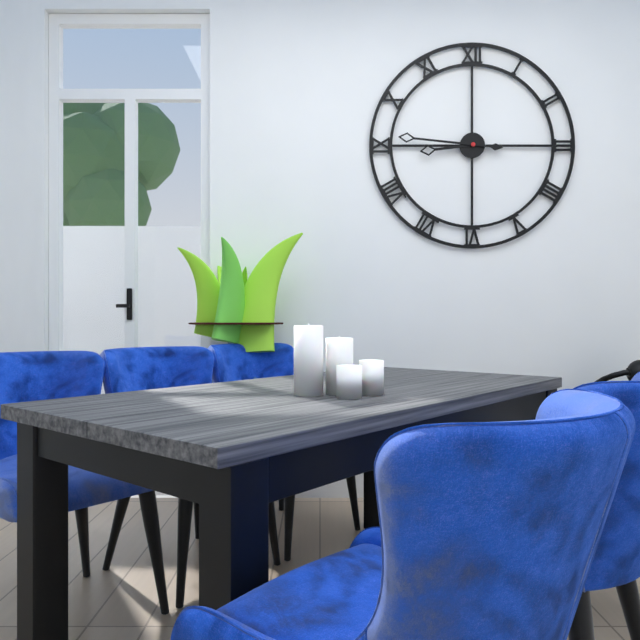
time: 8:46
